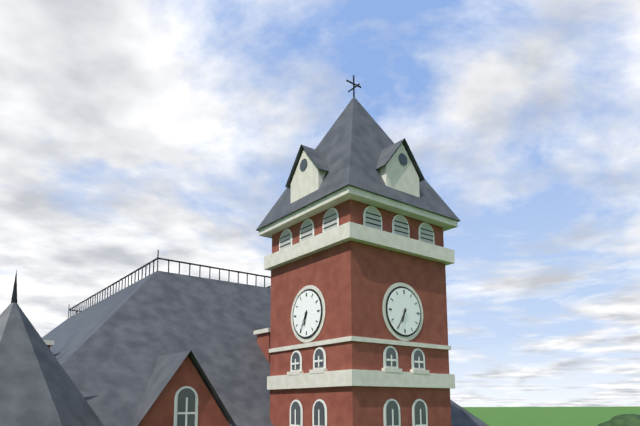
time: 6:35
